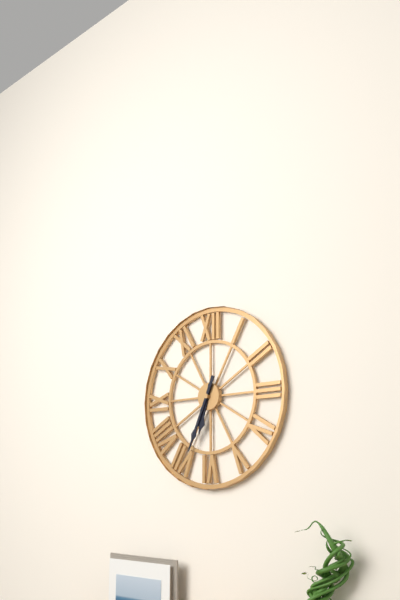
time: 6:34
